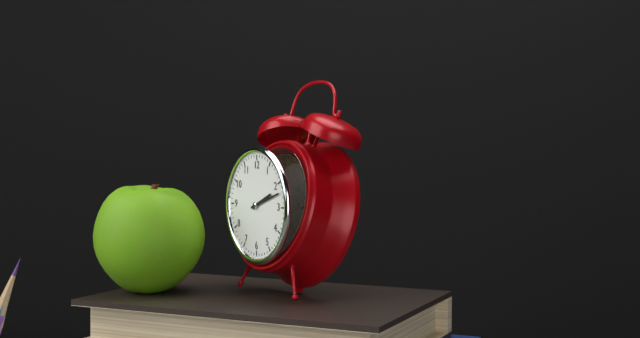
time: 2:12
